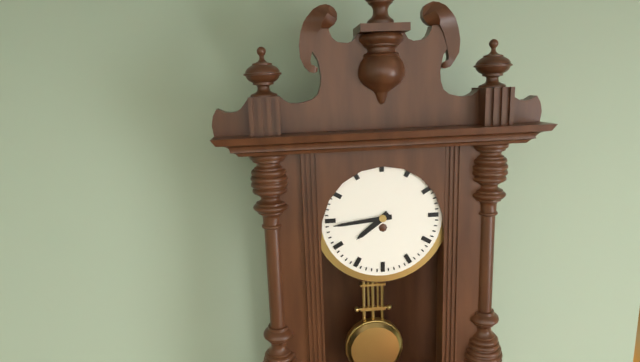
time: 7:44
